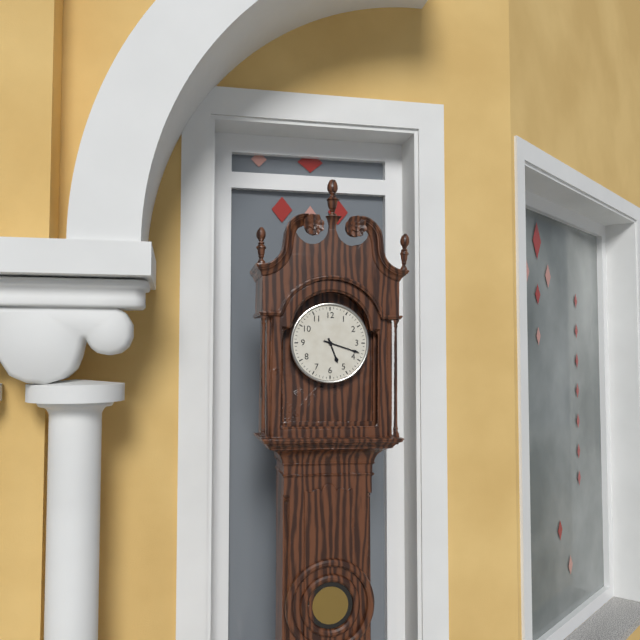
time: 5:18
